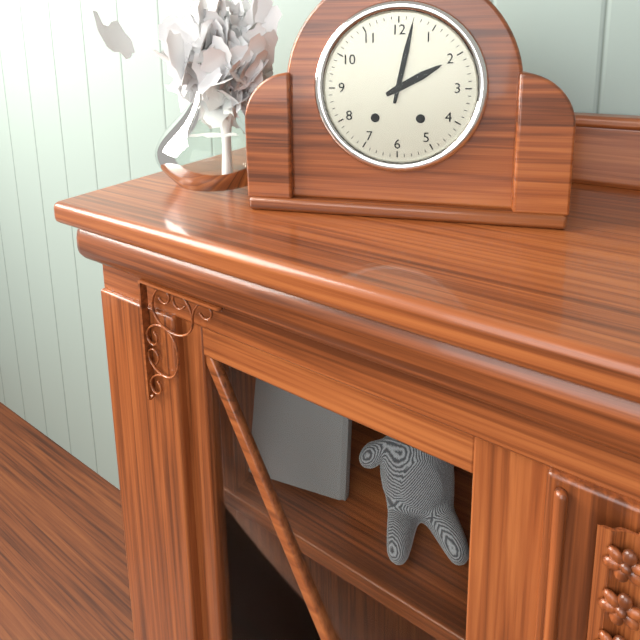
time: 2:02
